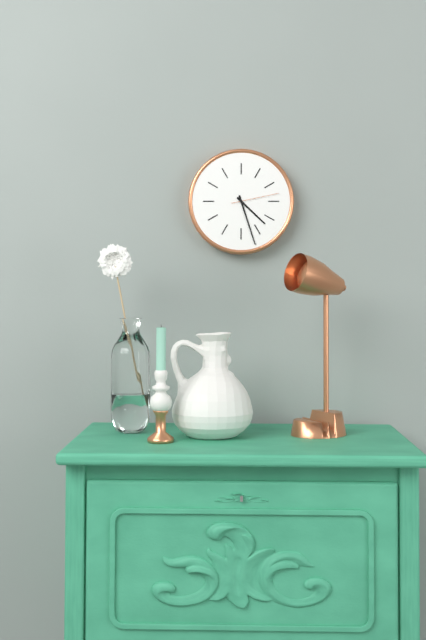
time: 4:27
